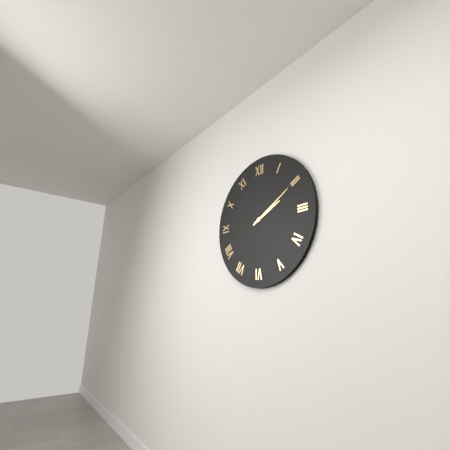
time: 2:10
